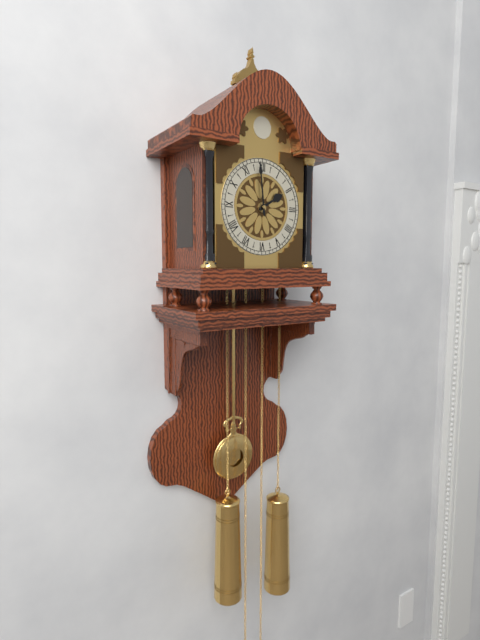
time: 1:59
